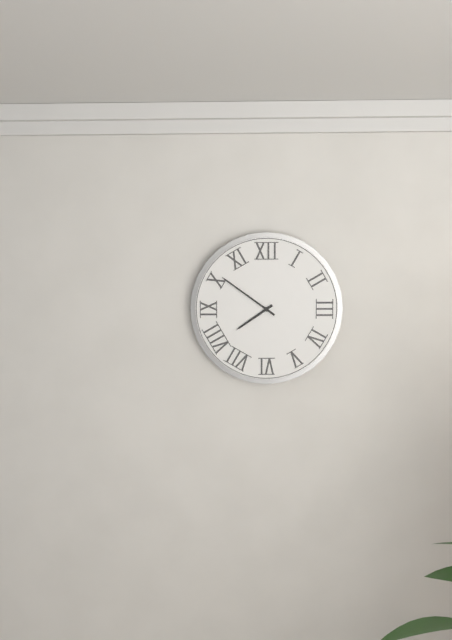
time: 7:51
